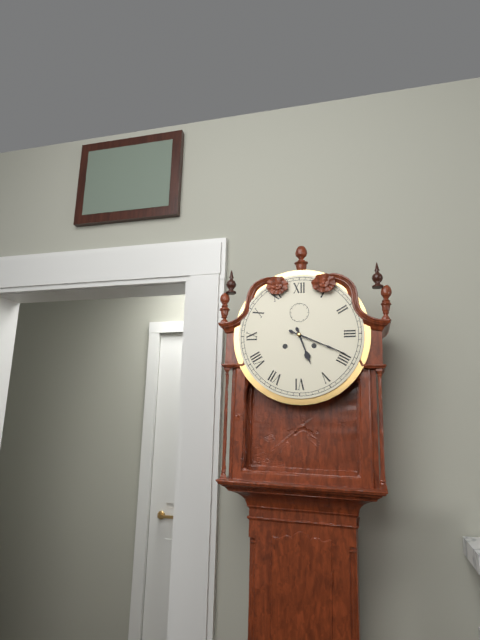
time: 5:19
